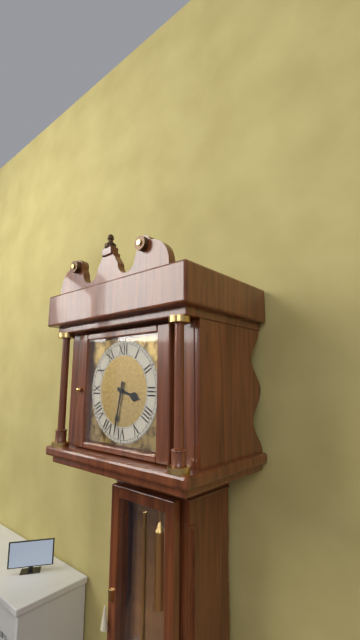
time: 3:32
